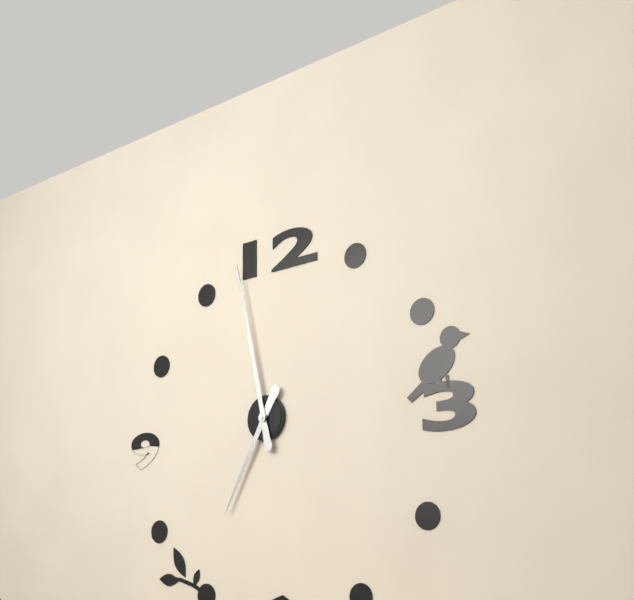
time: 6:58
